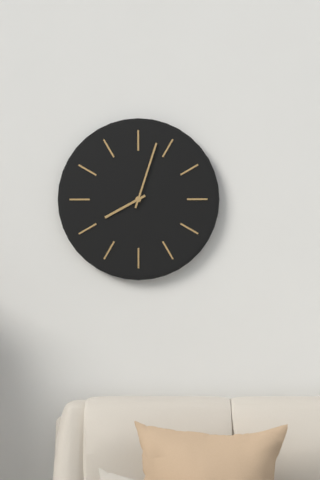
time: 8:03
